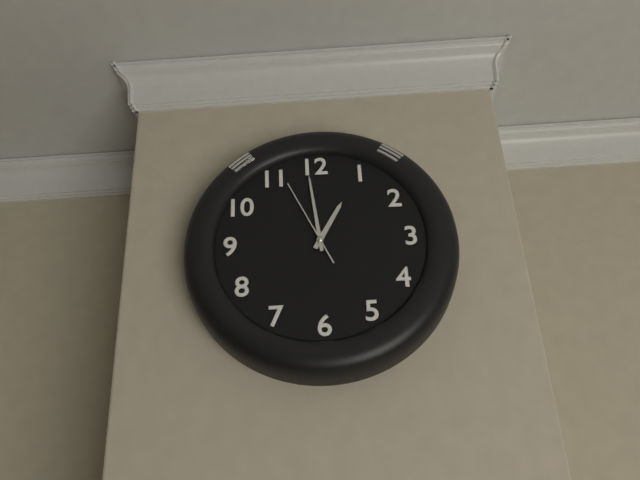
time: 12:59:56
